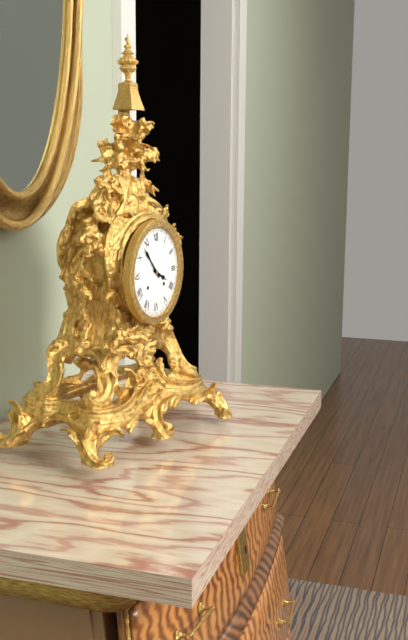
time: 3:53
